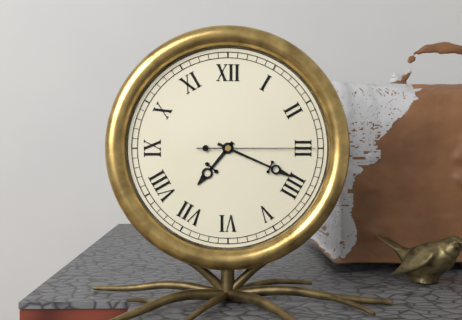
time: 7:19:15
